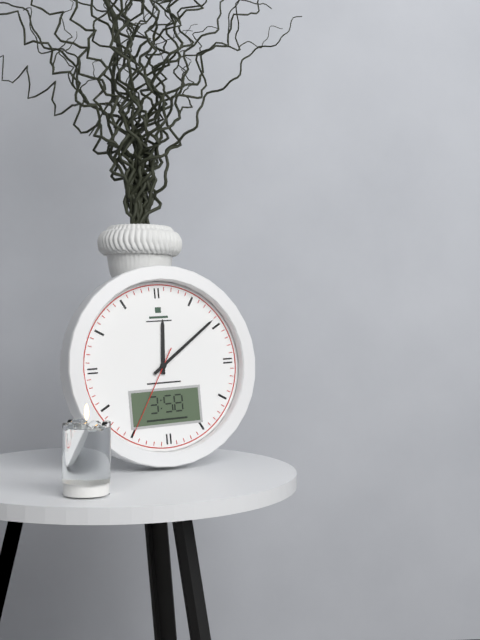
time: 12:09:35
